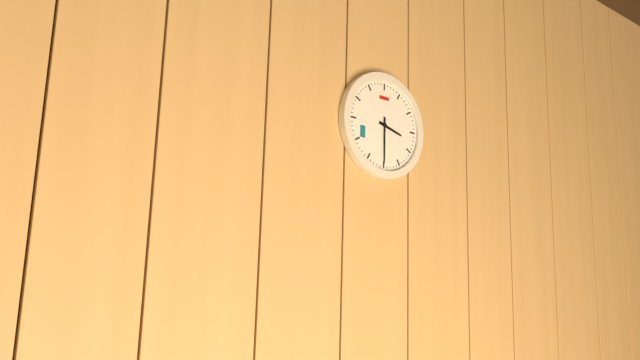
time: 3:30
